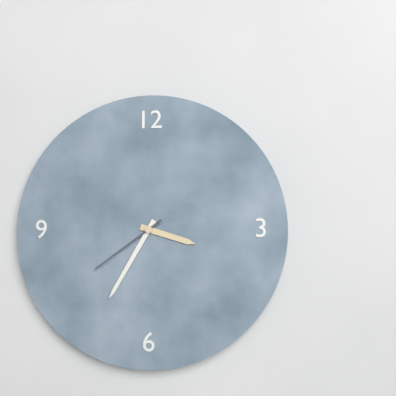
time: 3:35:39
